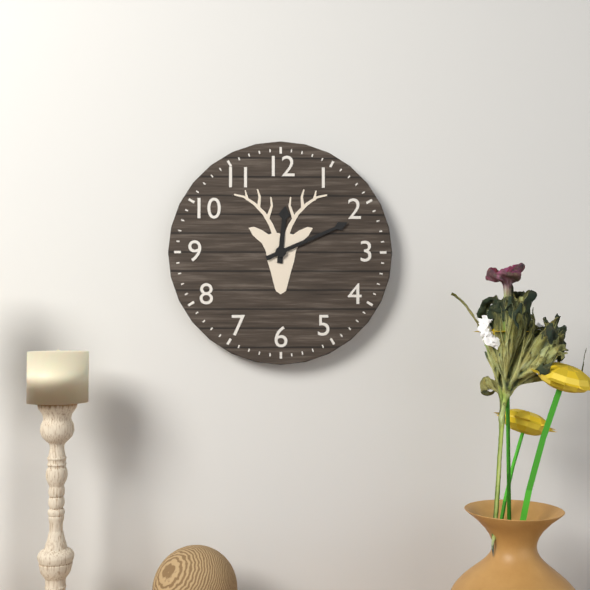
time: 12:11
